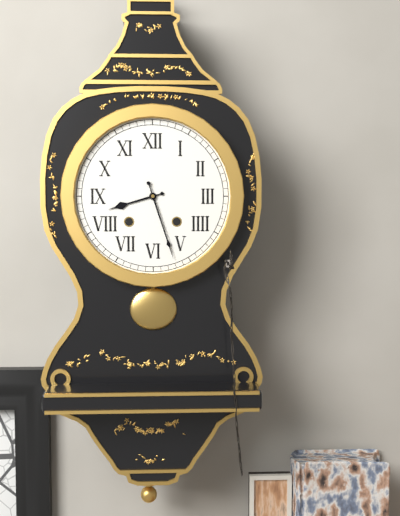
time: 8:27
